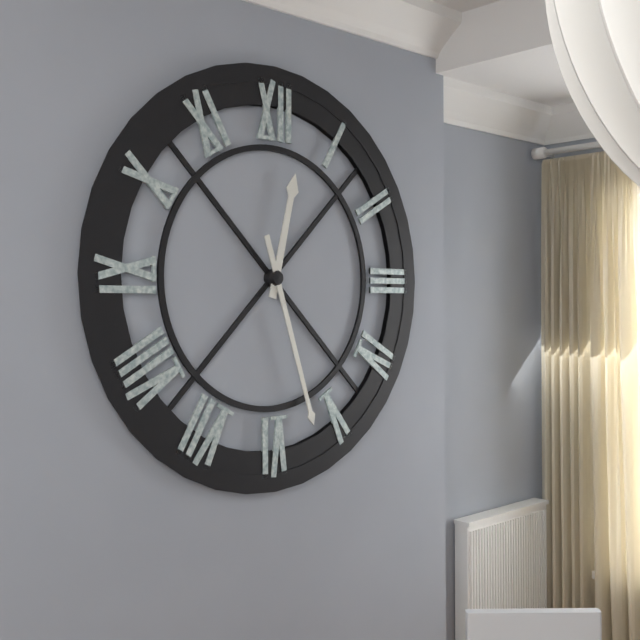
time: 12:27
